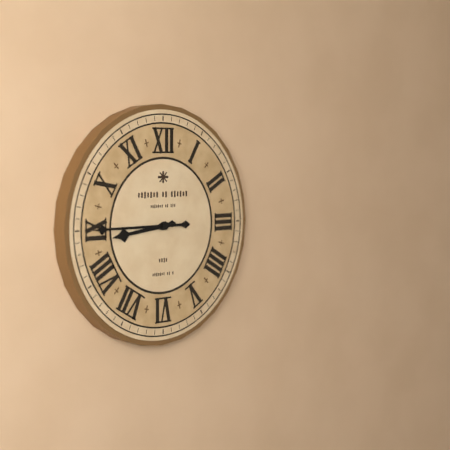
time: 8:45
